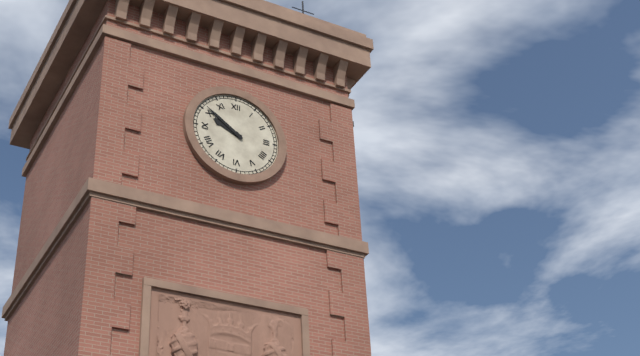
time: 9:51
